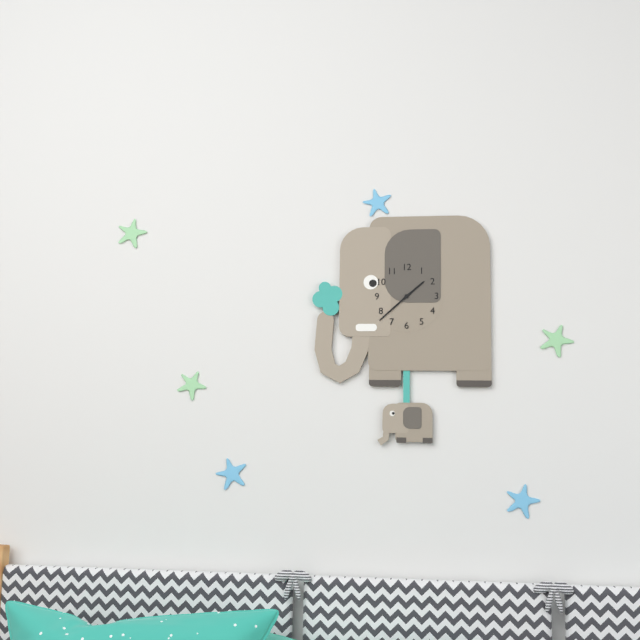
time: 1:38
